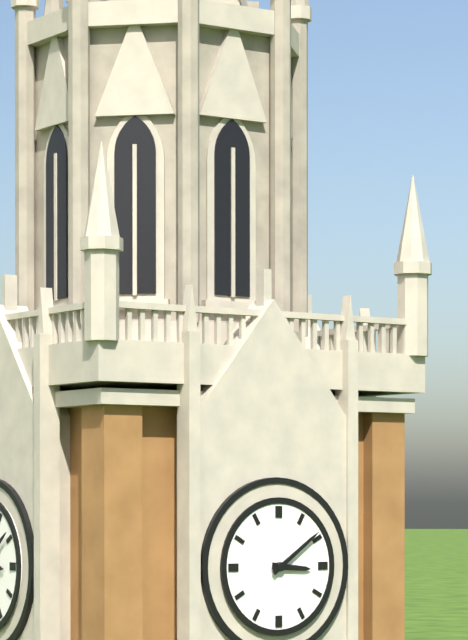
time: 3:09
